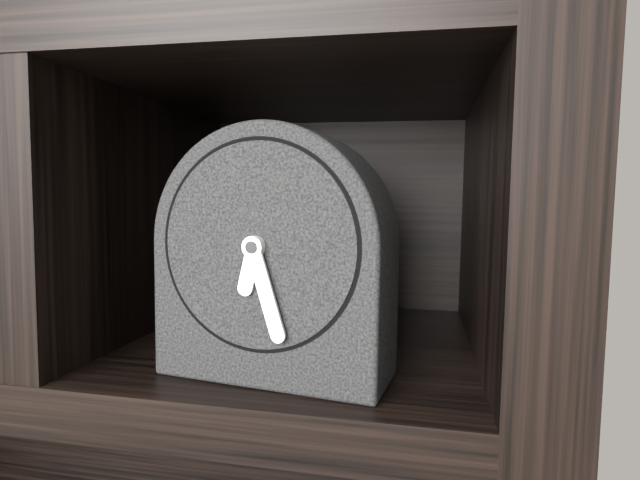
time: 6:27
